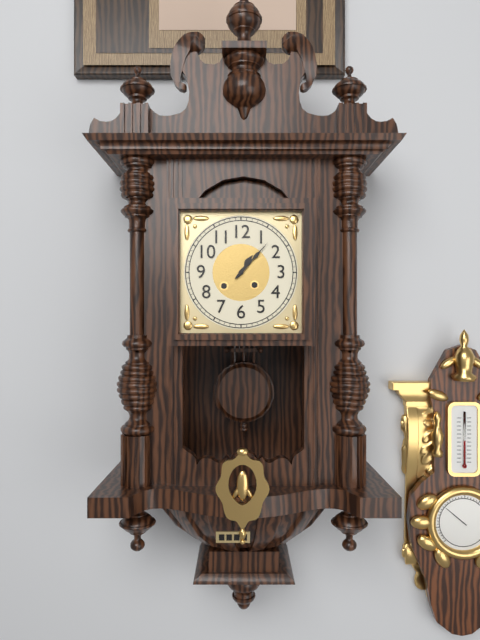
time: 1:07
